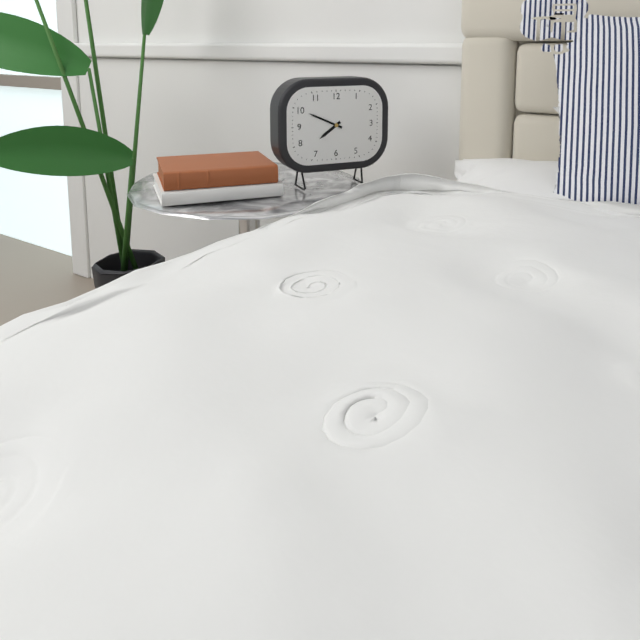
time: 7:49
